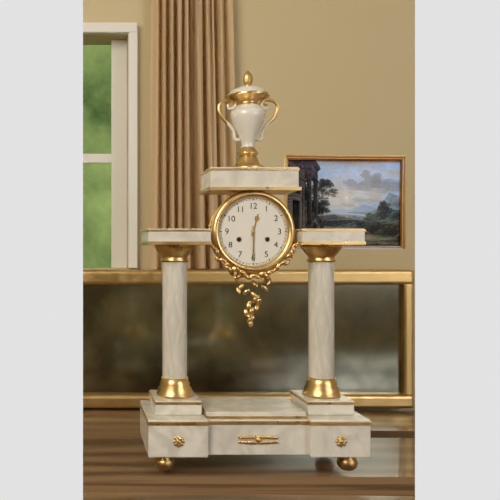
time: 12:30
